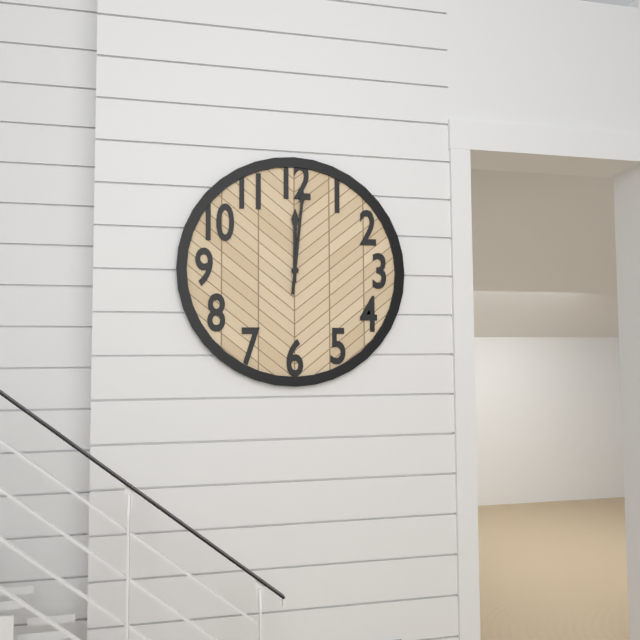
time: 12:01
